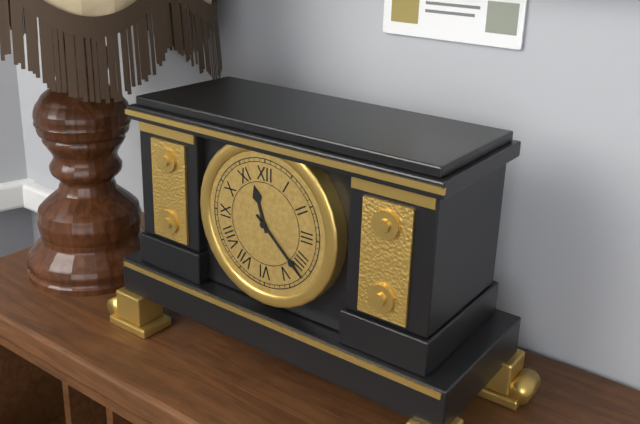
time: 11:22
